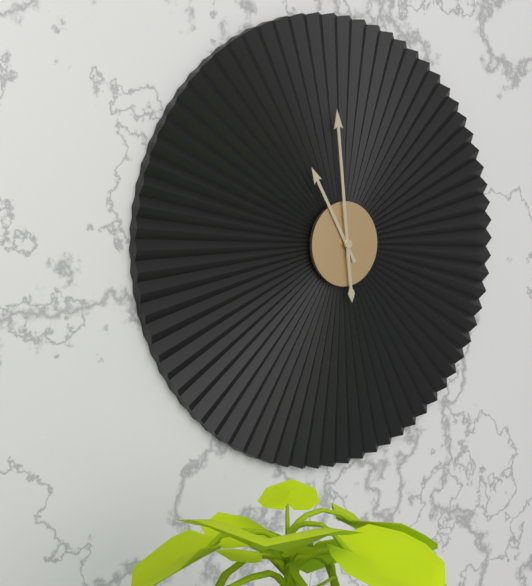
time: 10:59
